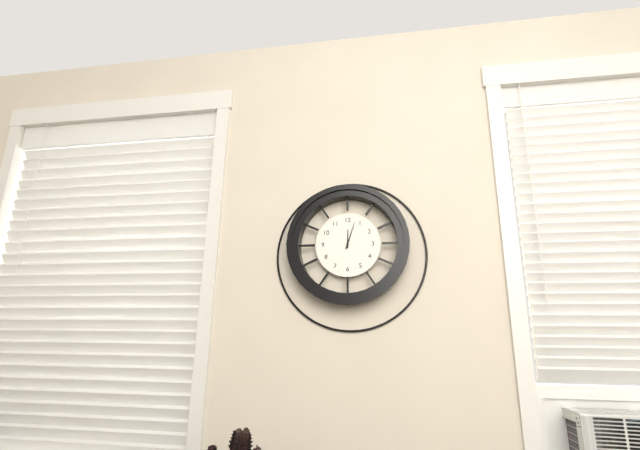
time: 12:03
